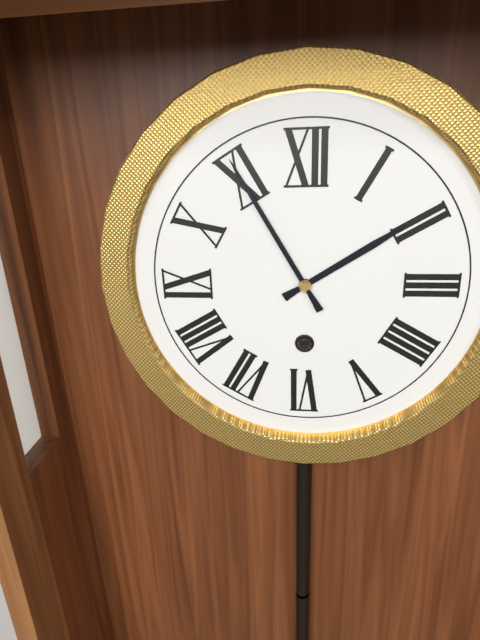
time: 1:55
